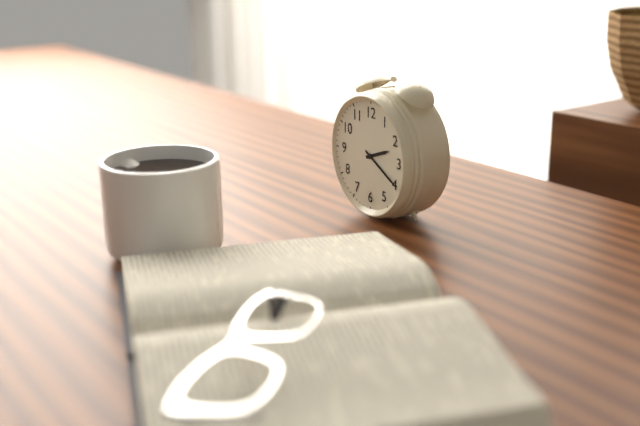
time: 2:20
